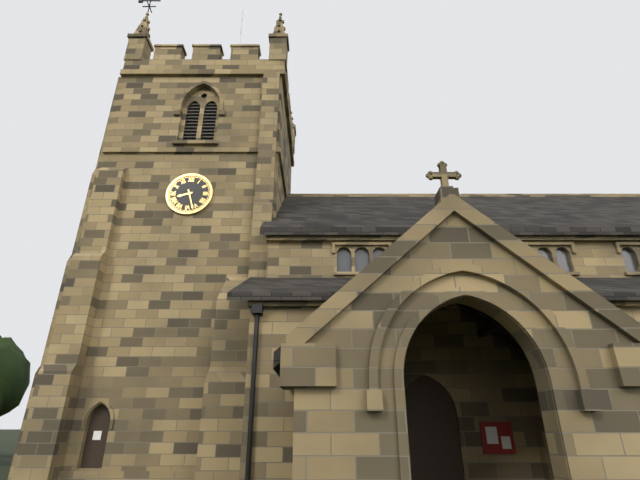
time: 8:27
